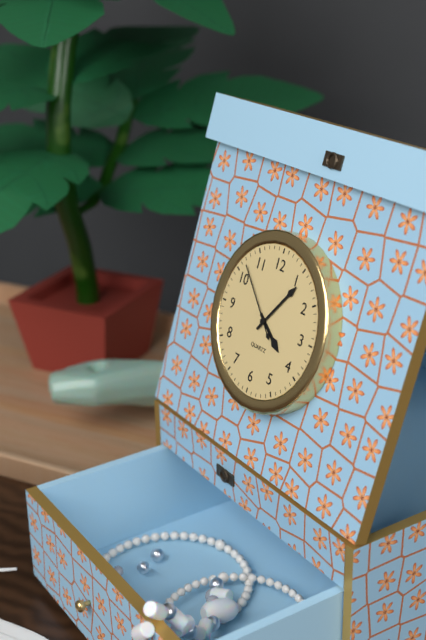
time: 4:06:52
